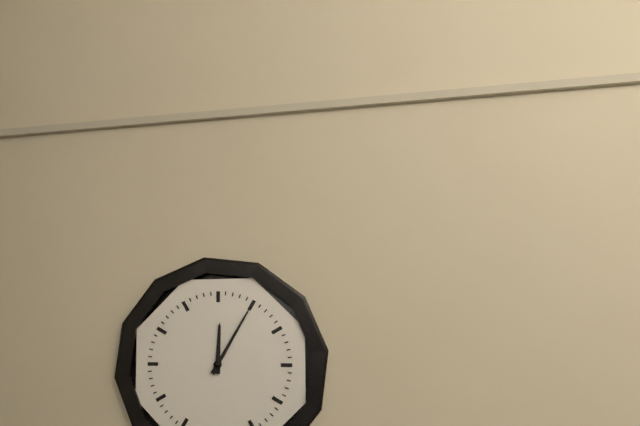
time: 12:05
